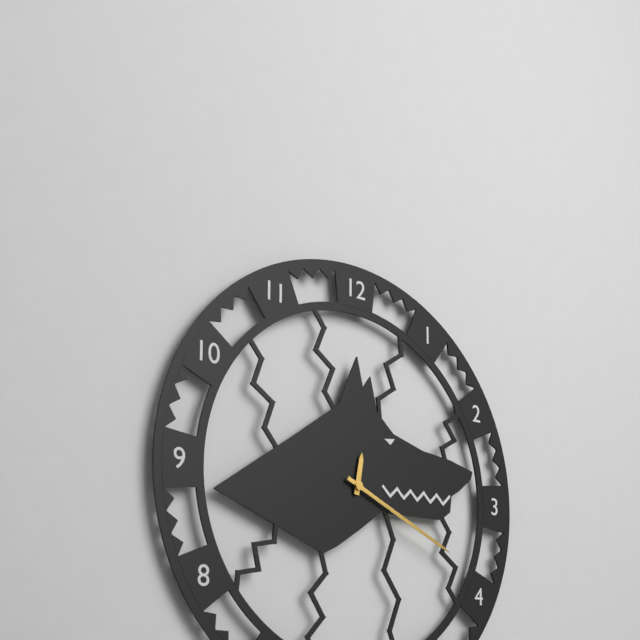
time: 12:19
